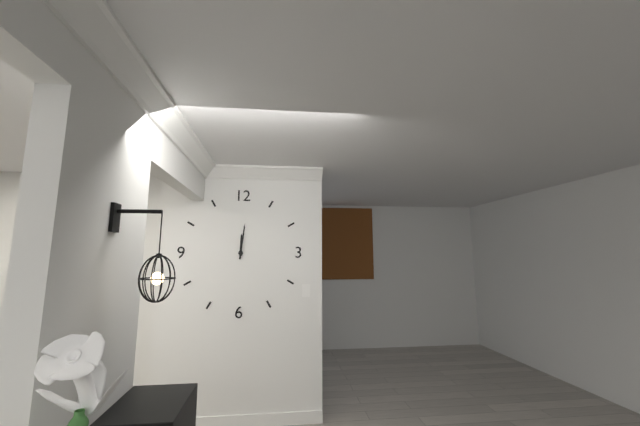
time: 12:01
